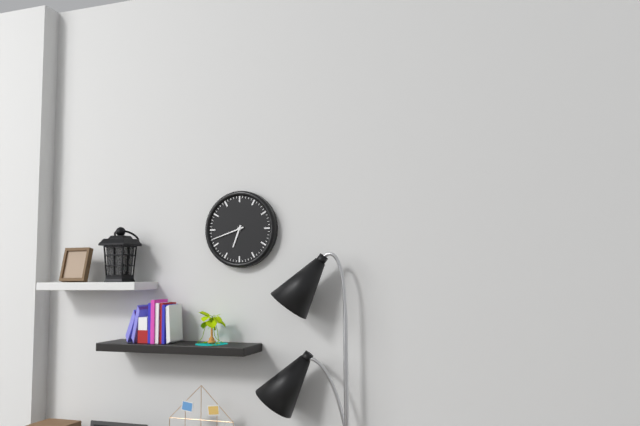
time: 6:42
